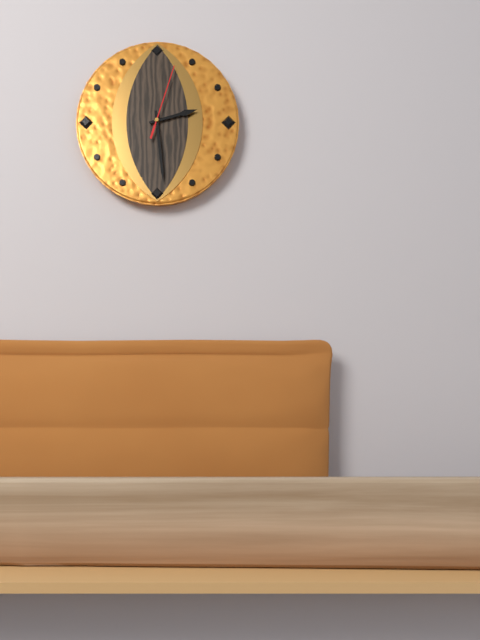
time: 2:29:03
